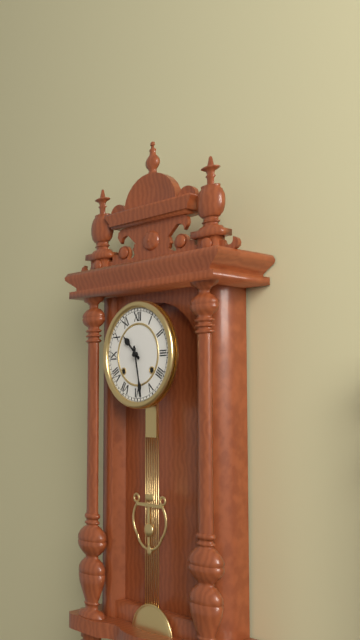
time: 10:28
